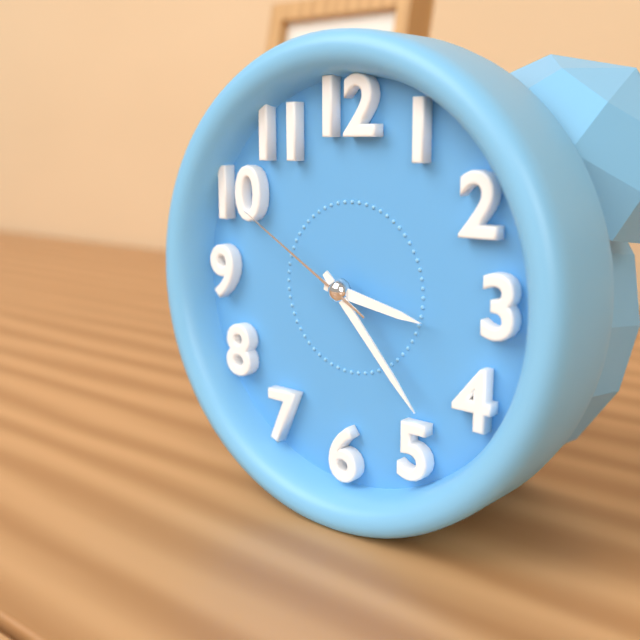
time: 3:23:50
